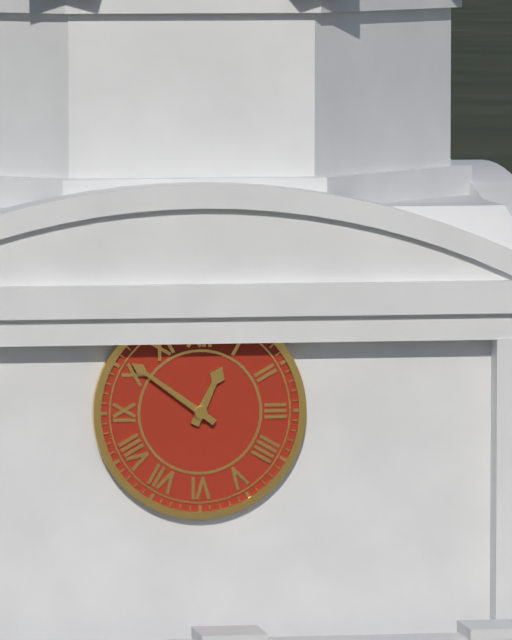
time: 12:51
